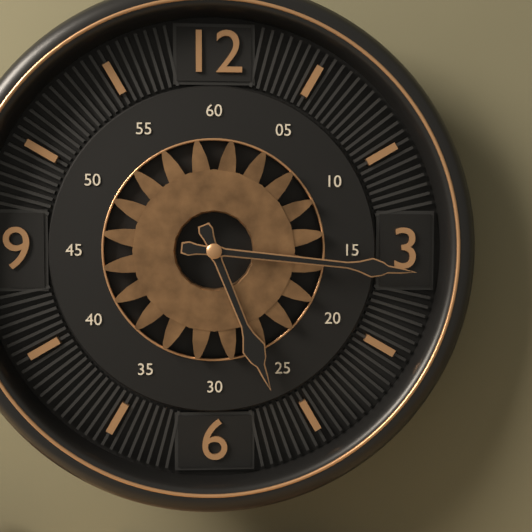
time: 5:16
